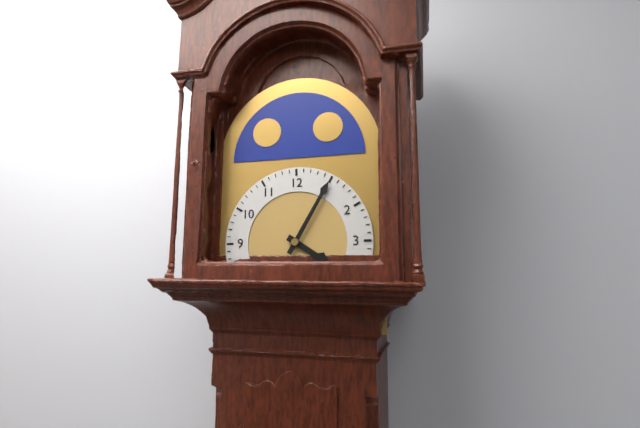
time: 4:05
